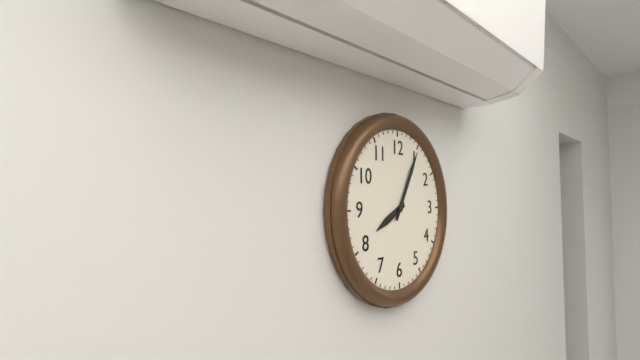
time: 8:05
